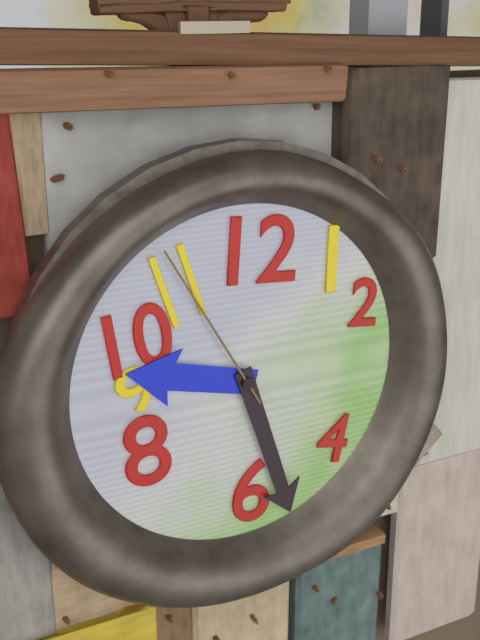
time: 9:27:55
